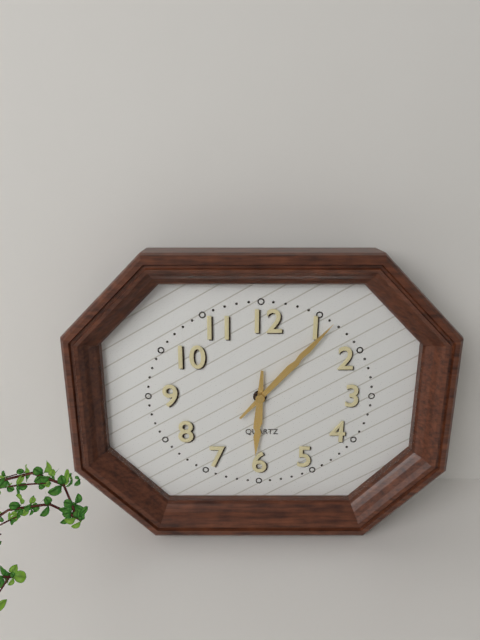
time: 6:07
